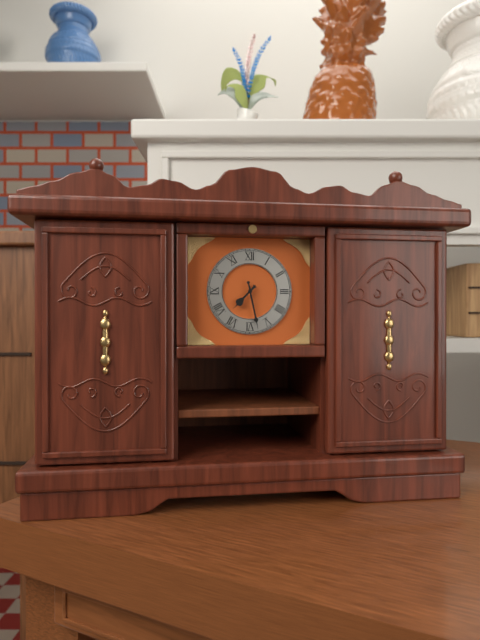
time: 7:28
